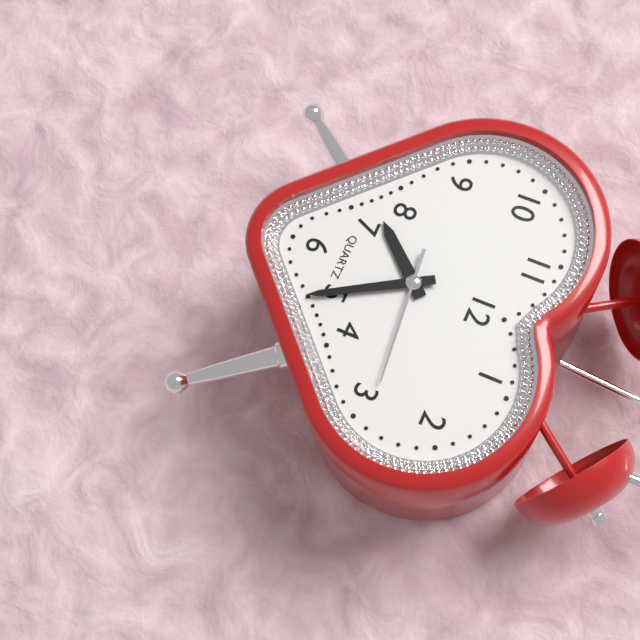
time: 7:25:14
